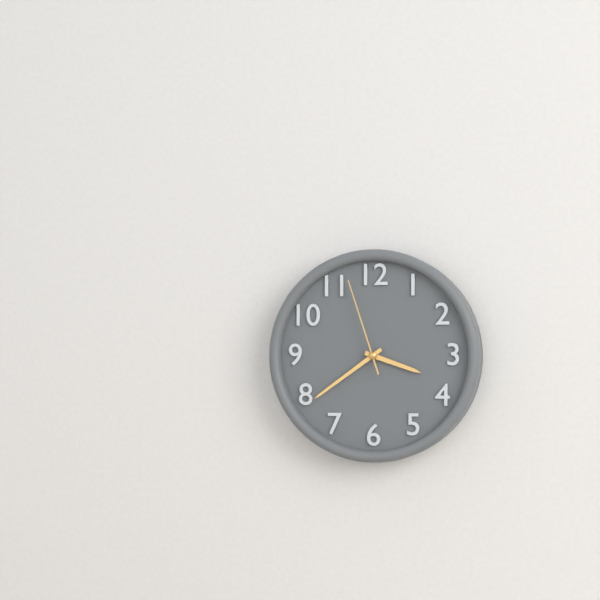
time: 3:39:57
